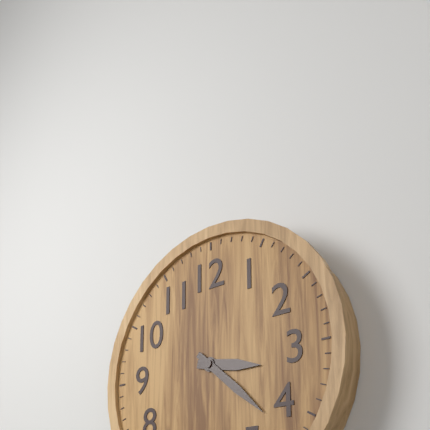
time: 3:22
